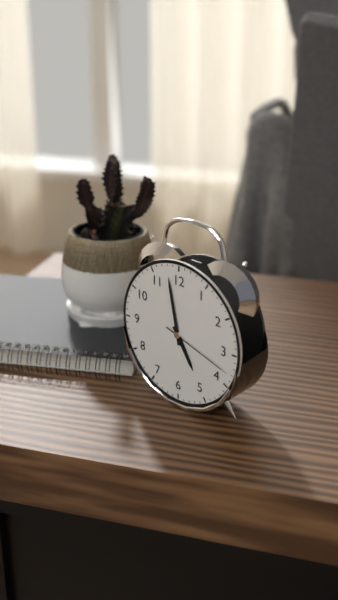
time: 4:58:18
